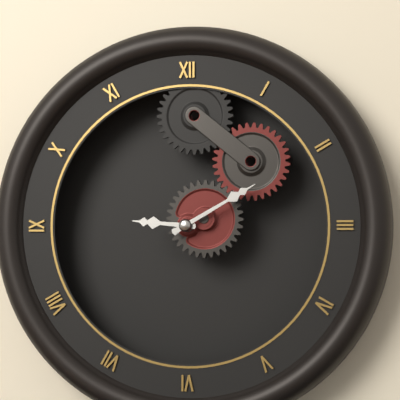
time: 9:10
